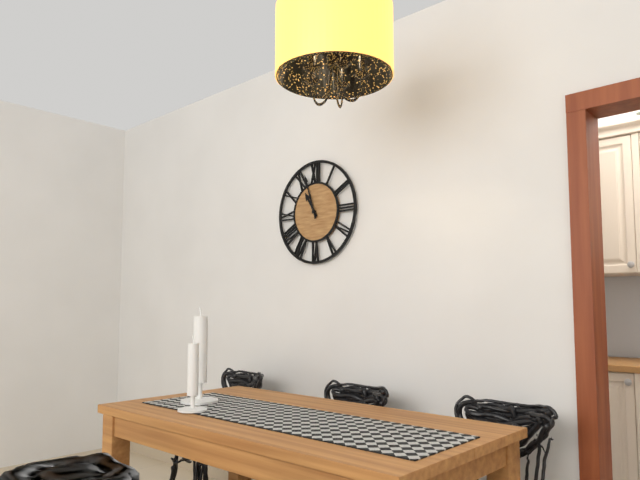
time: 10:57
